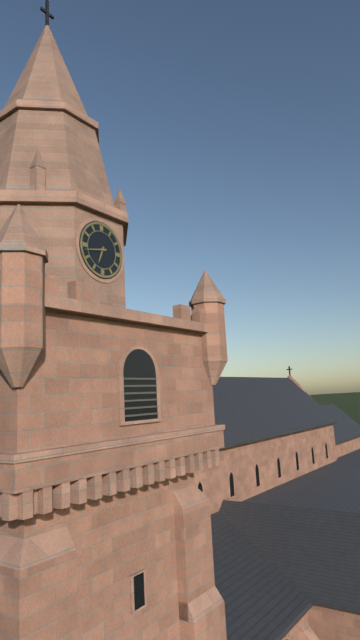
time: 6:43
